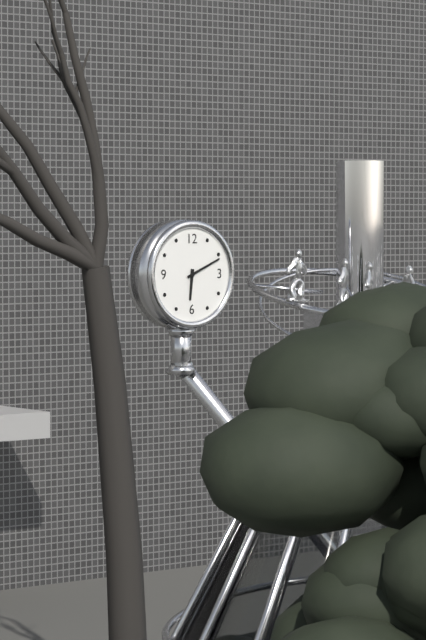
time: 6:11
